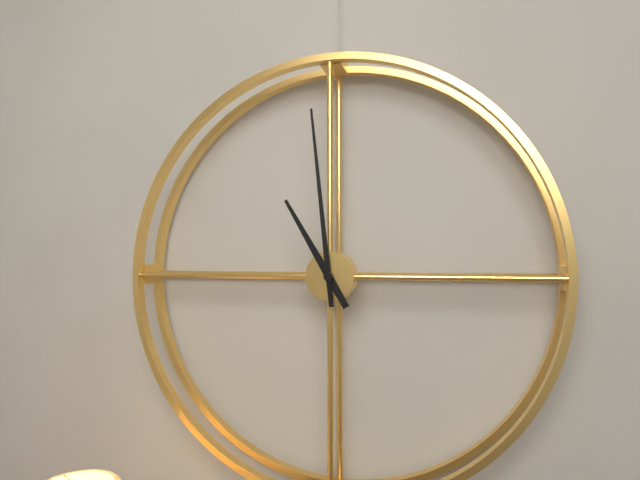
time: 10:59
